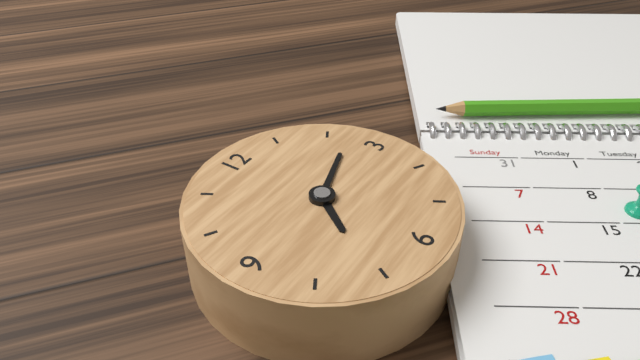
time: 7:12
